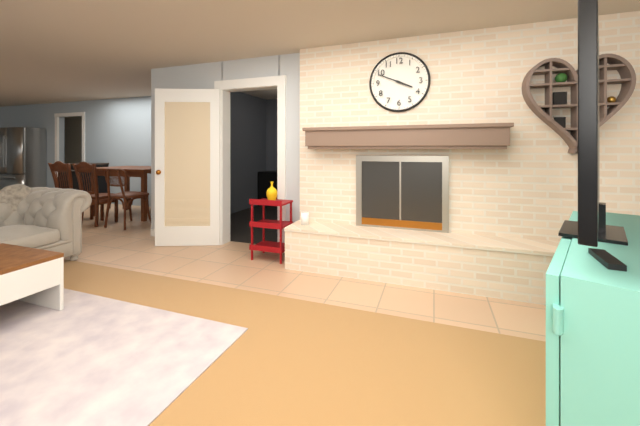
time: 3:49
